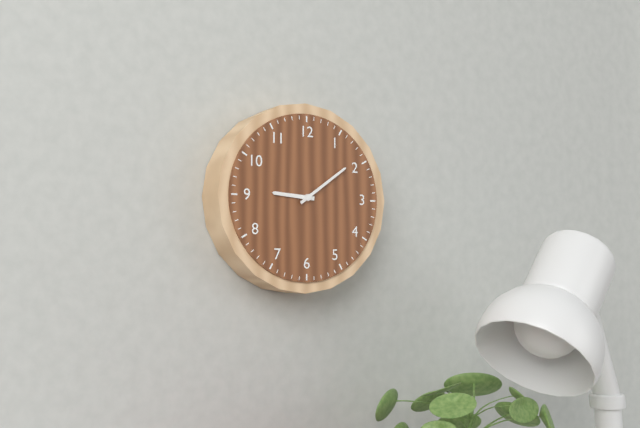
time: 9:09
